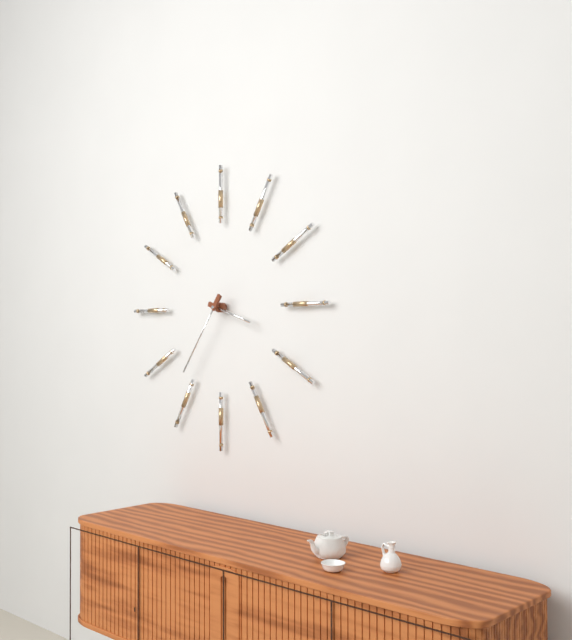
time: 3:36
